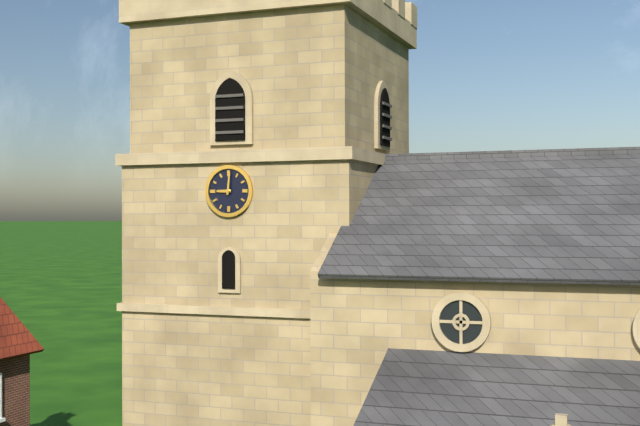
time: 9:01
